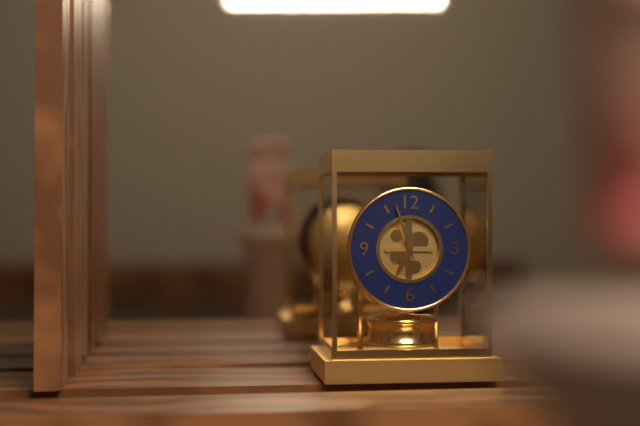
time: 6:57
